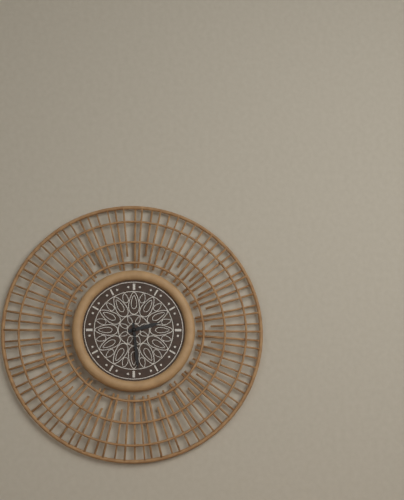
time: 2:29
